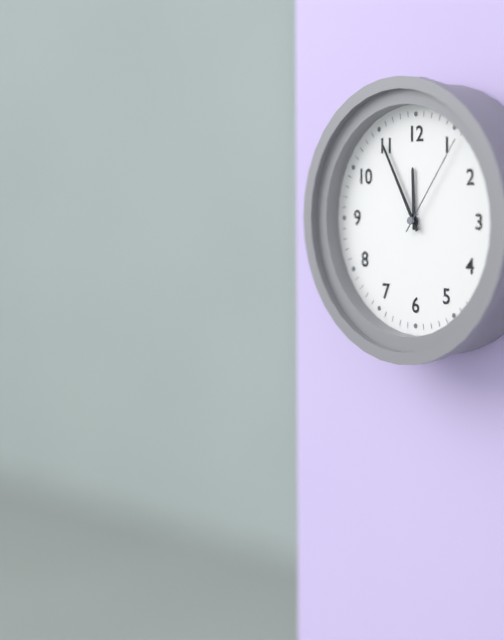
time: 11:55:06
